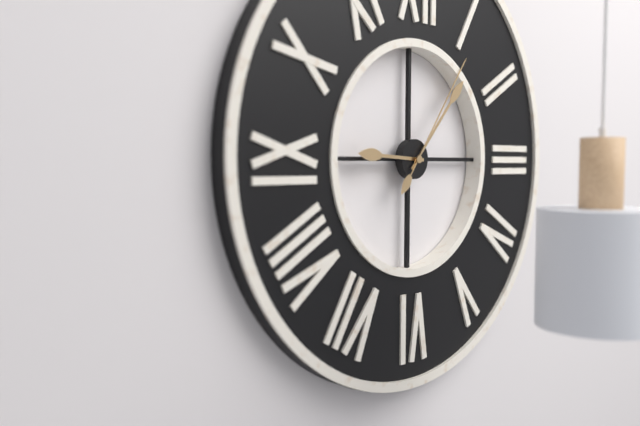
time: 9:07:06
